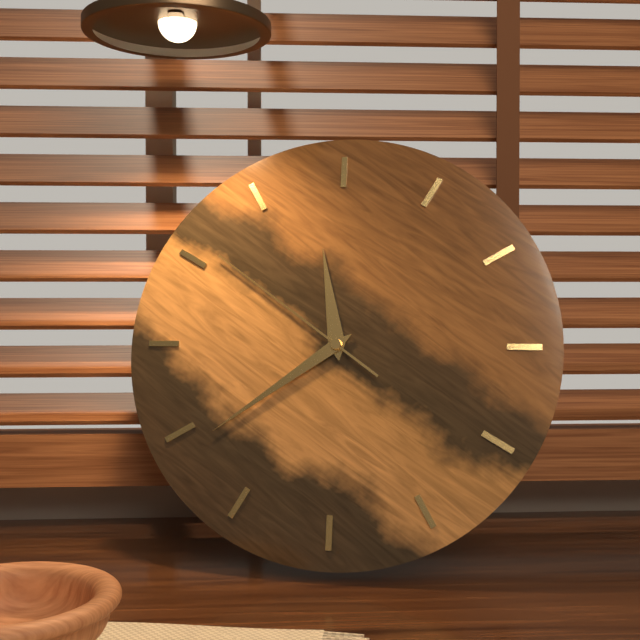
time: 11:39:51
